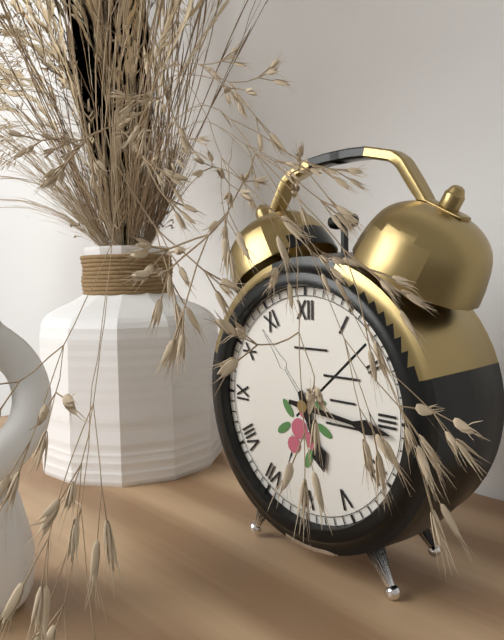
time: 5:16
